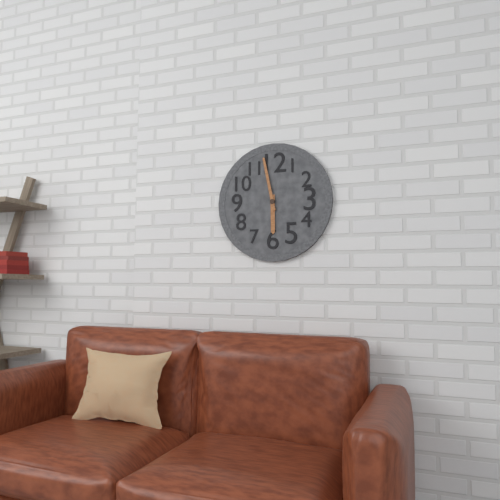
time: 5:58
